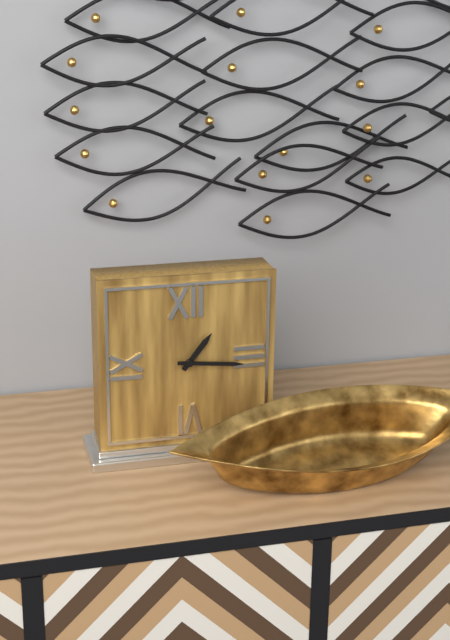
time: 1:16
